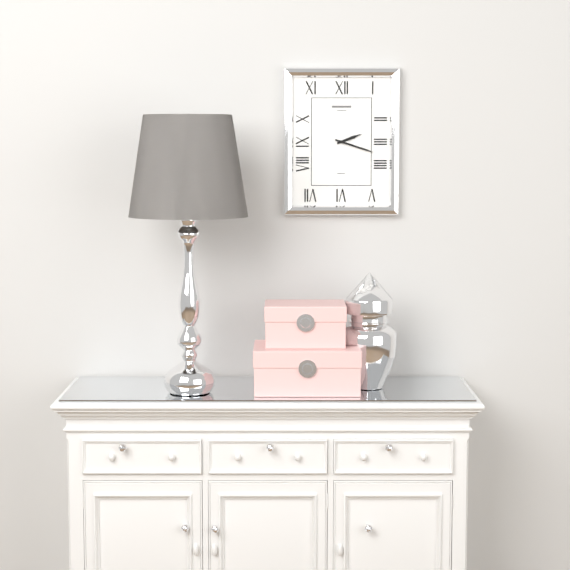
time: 2:18
